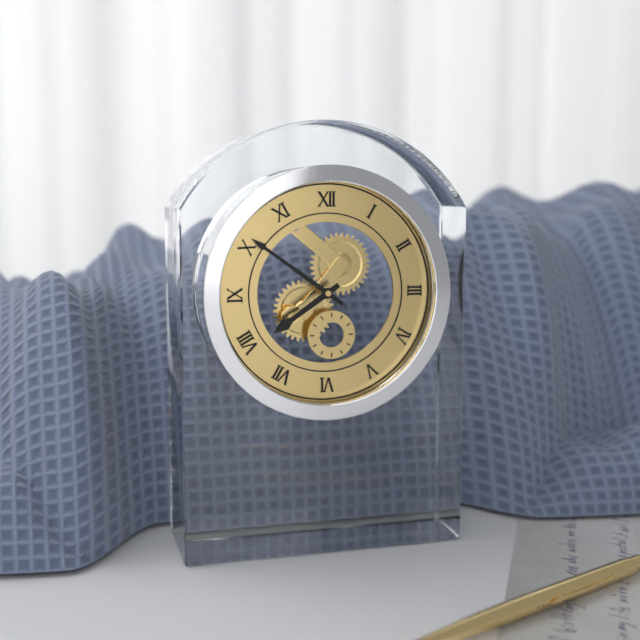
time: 7:51
